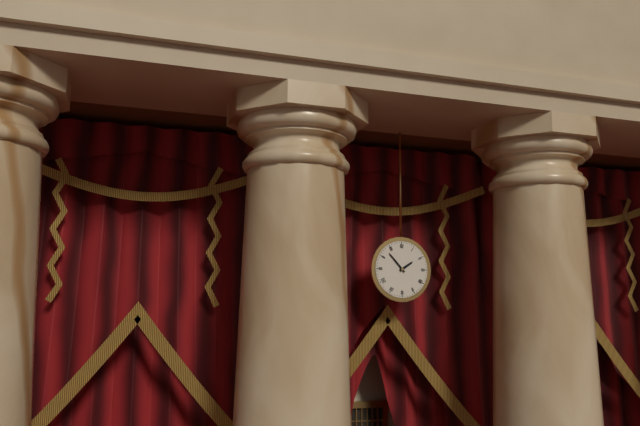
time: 1:53
